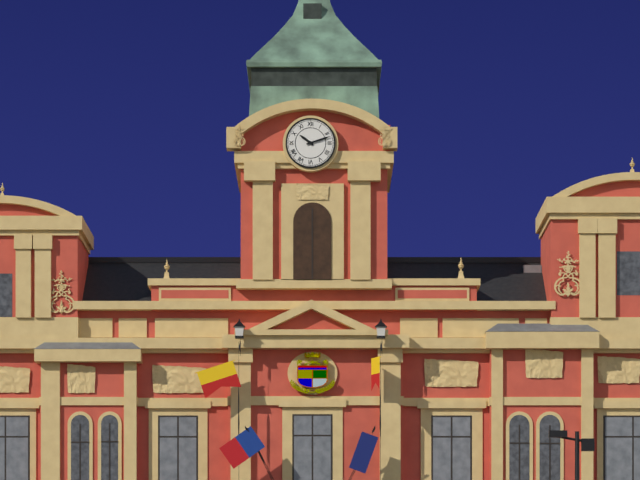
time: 10:12
